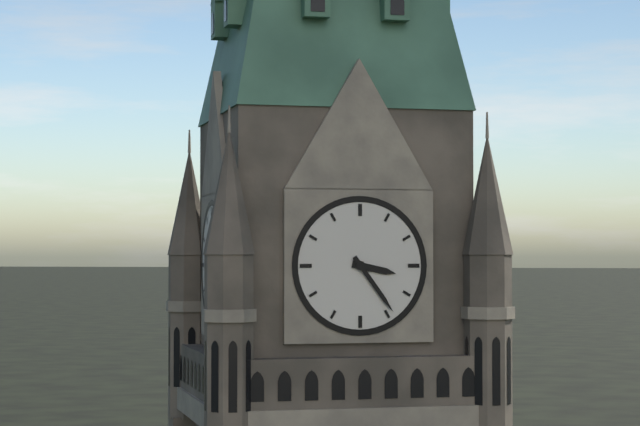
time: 3:24
